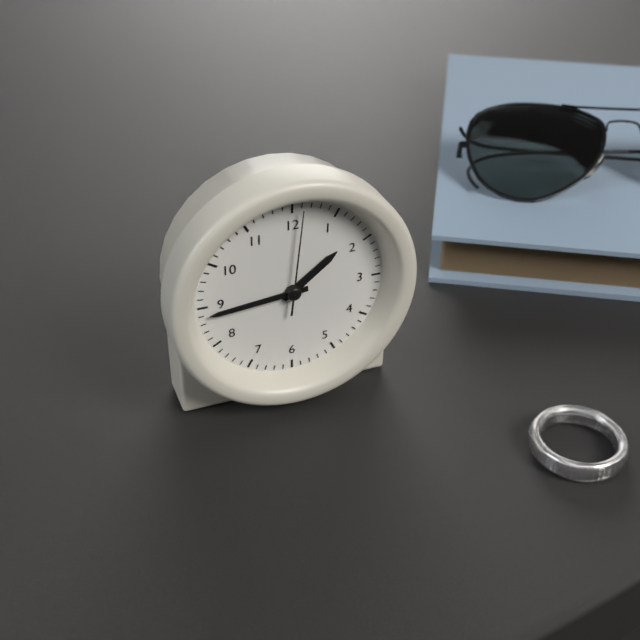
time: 1:44:01
